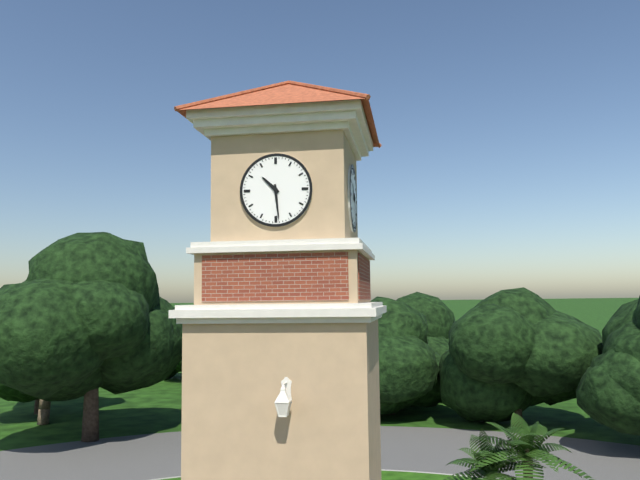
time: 10:29
